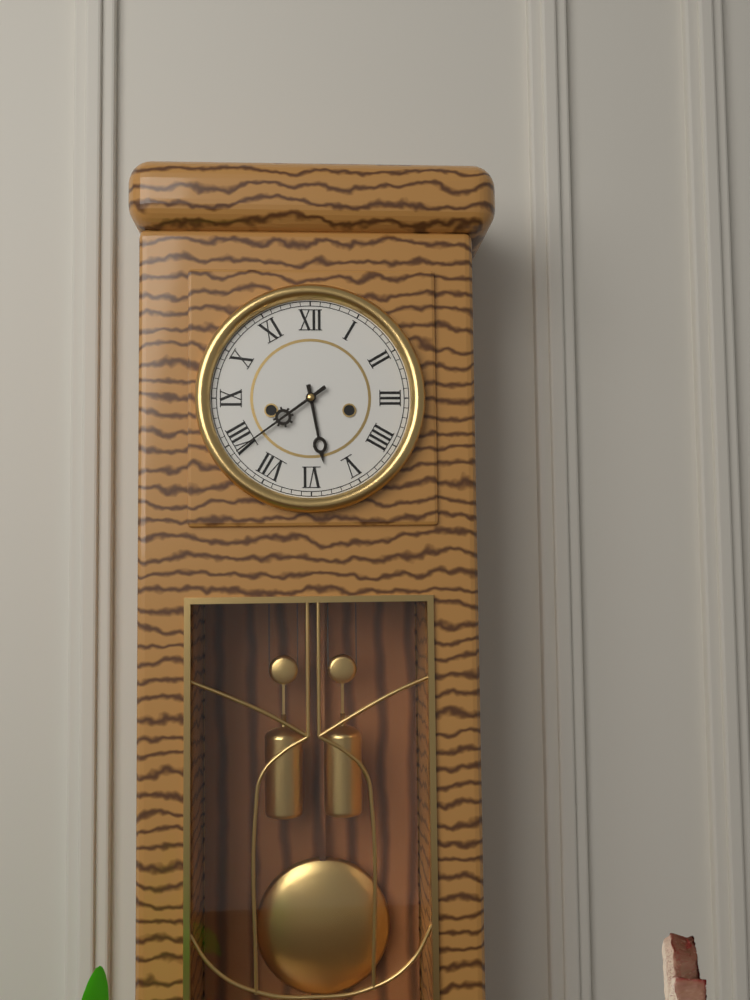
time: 5:39
